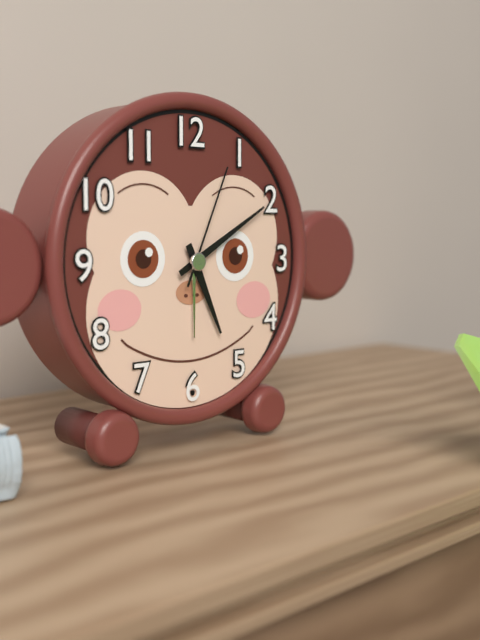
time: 5:10:04
